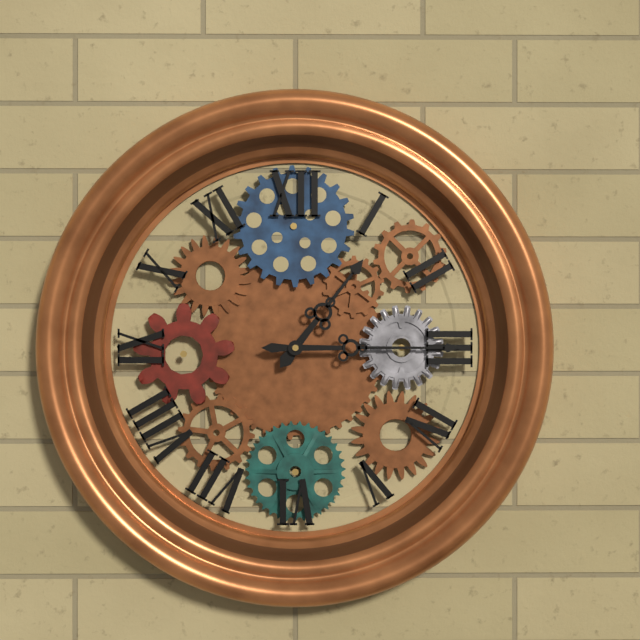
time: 1:15
